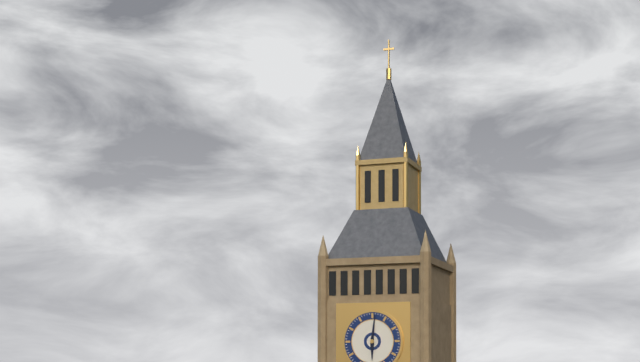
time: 6:01
